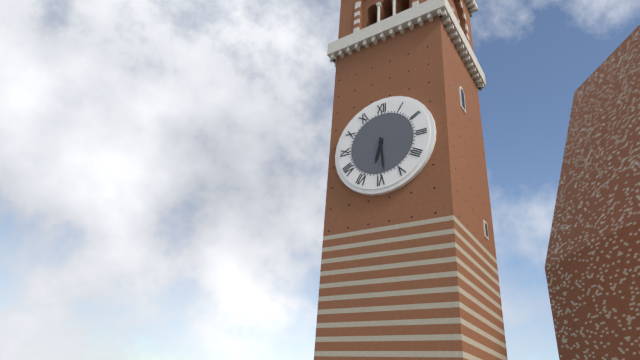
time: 6:29
